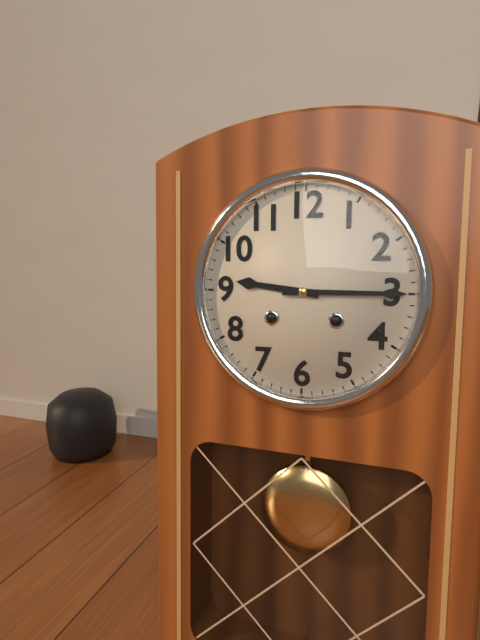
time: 9:15
